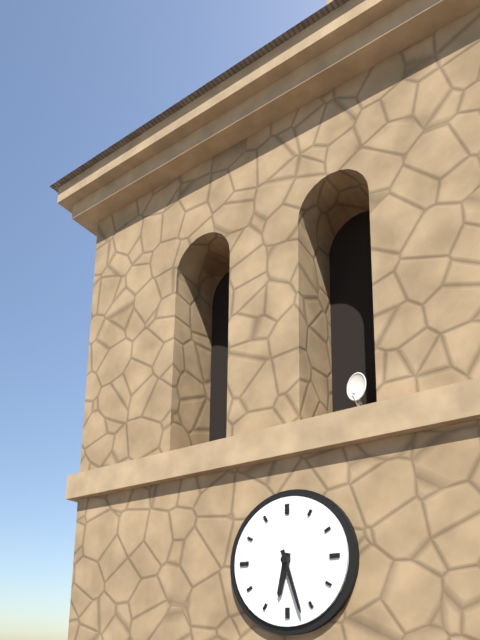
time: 6:27
